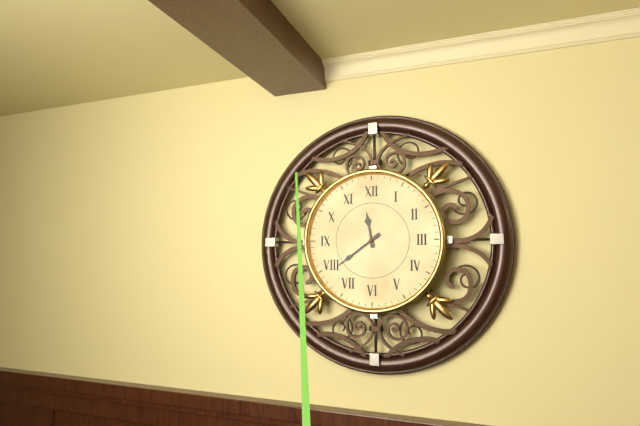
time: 11:39
